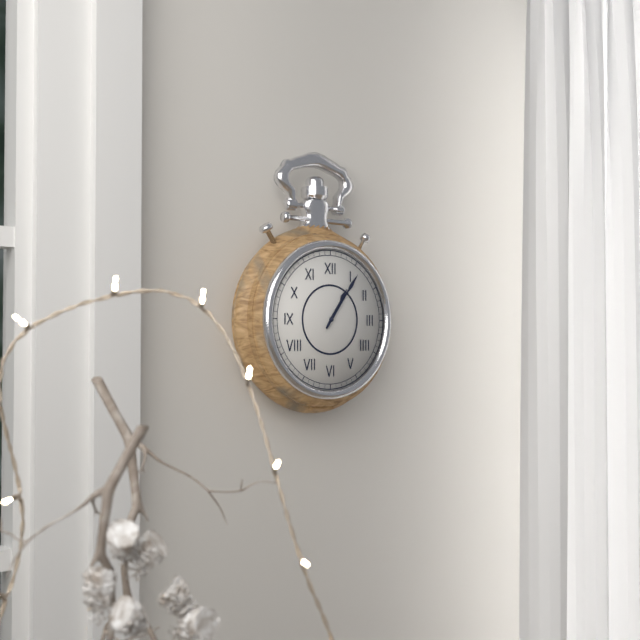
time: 1:06
